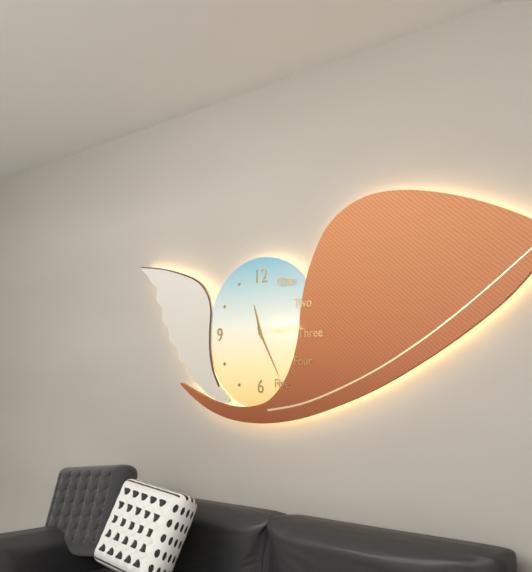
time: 11:25
